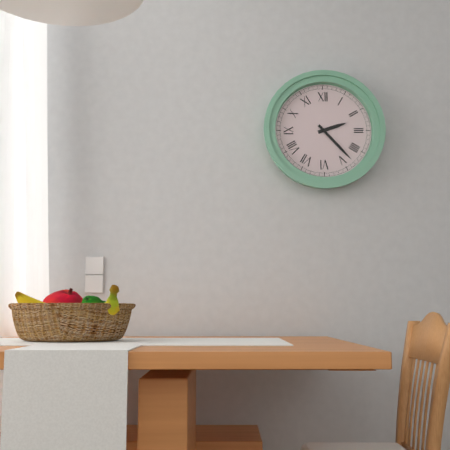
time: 2:23
